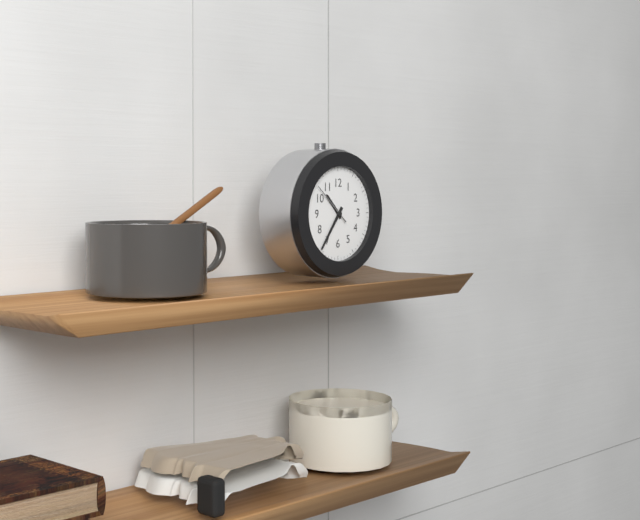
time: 10:36
